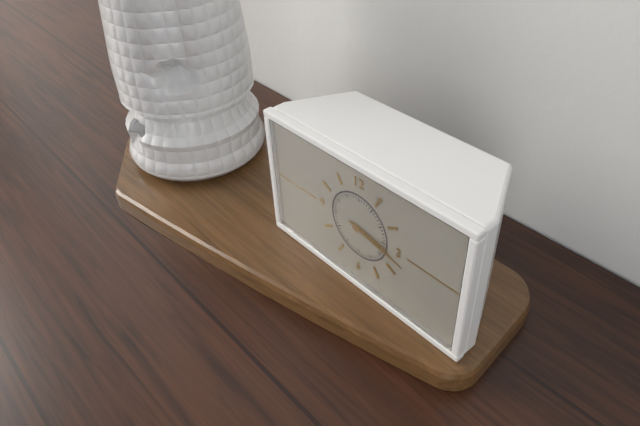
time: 3:17
